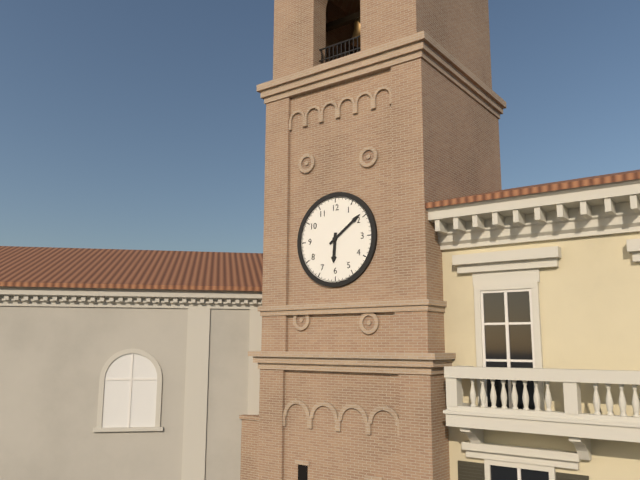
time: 6:09
